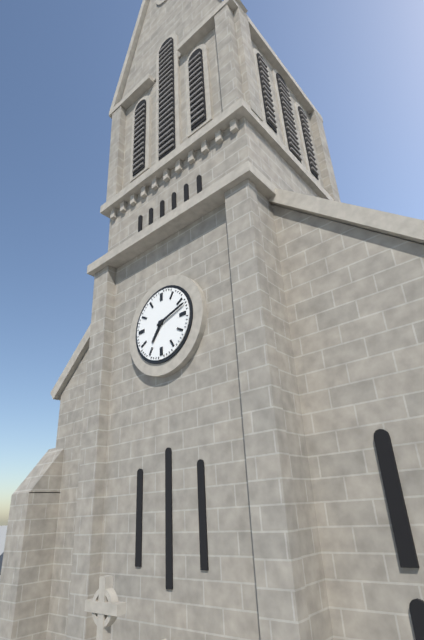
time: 7:12
